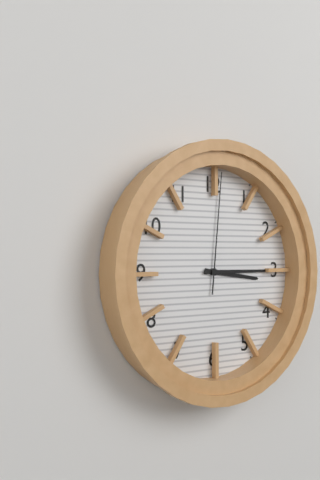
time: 3:15:01
